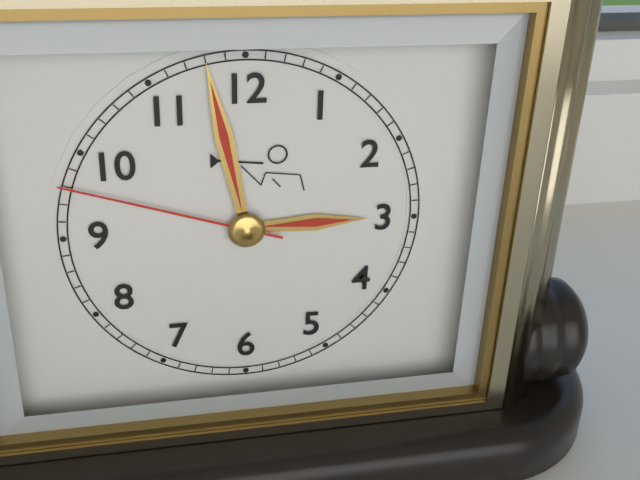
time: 2:58:48
